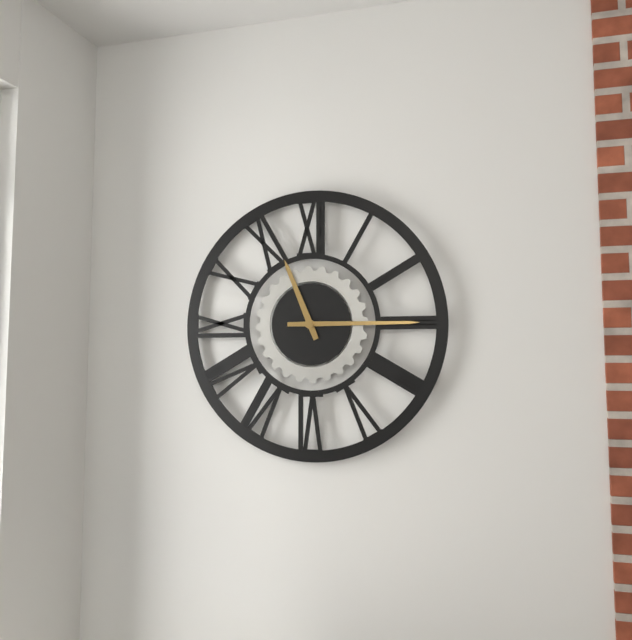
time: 11:15
